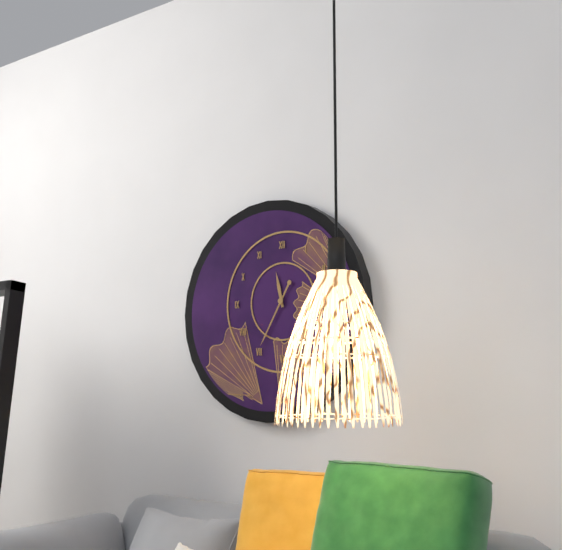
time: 11:35
